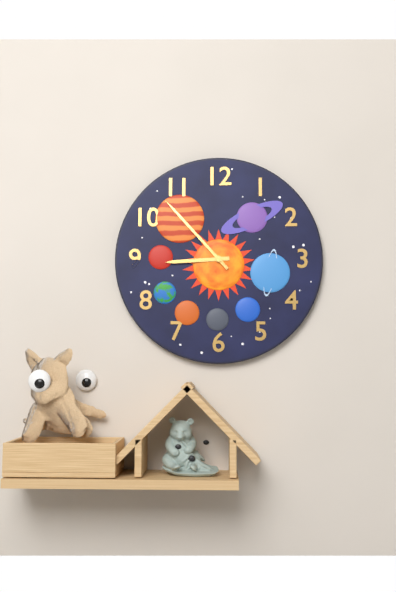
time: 8:53
